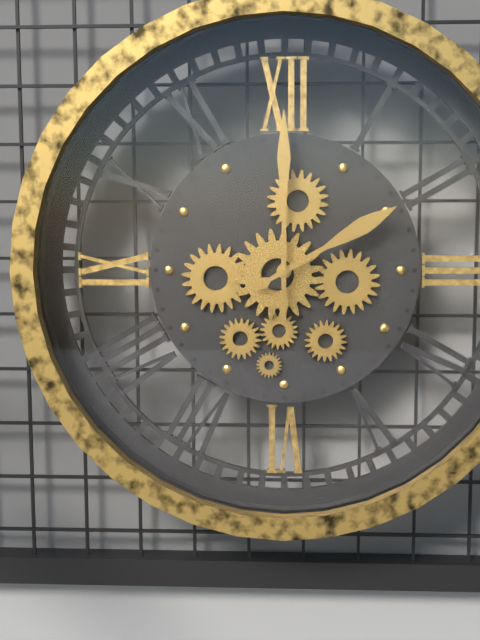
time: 2:00
